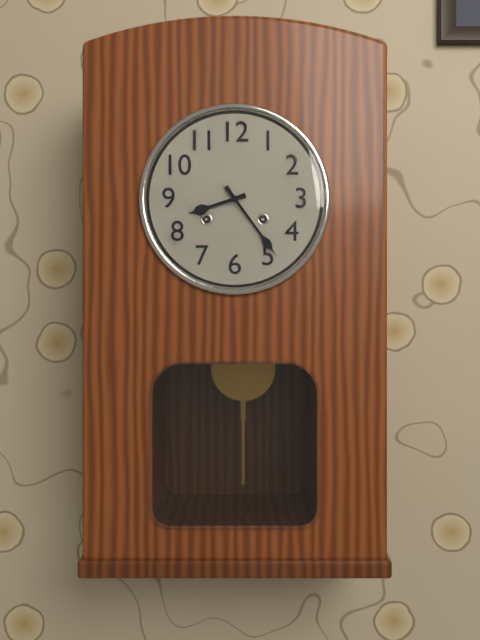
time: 8:24
